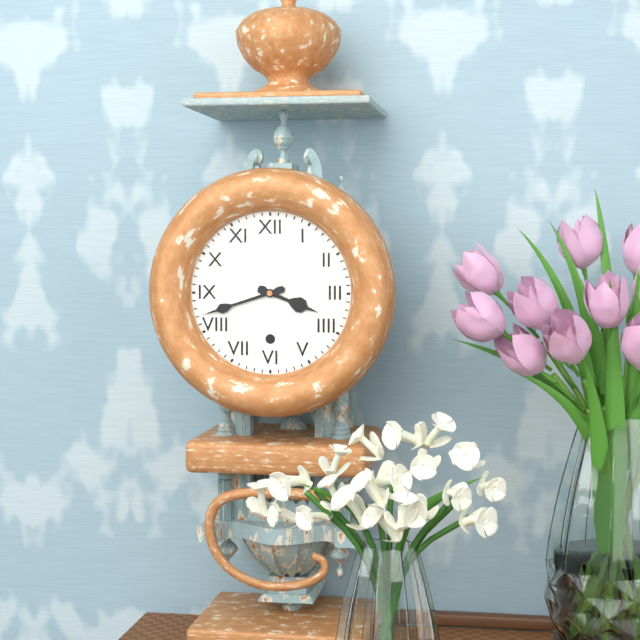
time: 3:42
